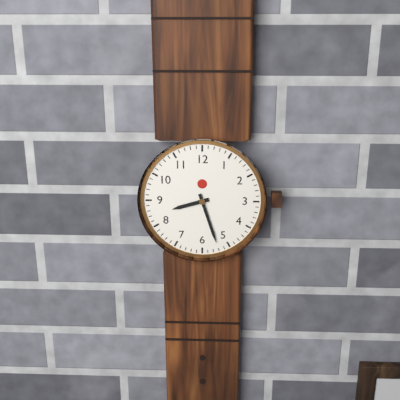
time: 8:27
